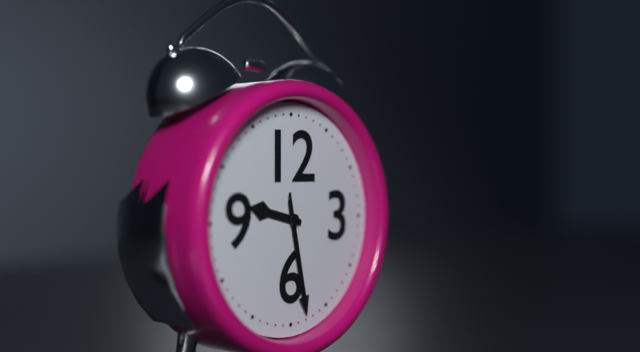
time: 9:28:28
